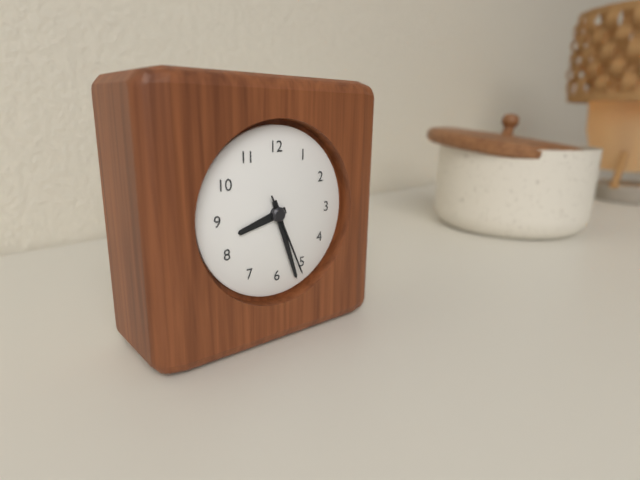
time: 8:27:26
